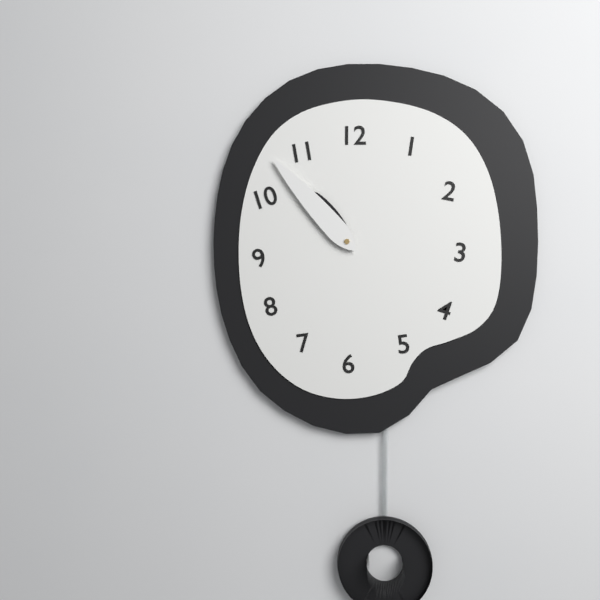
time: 10:53
